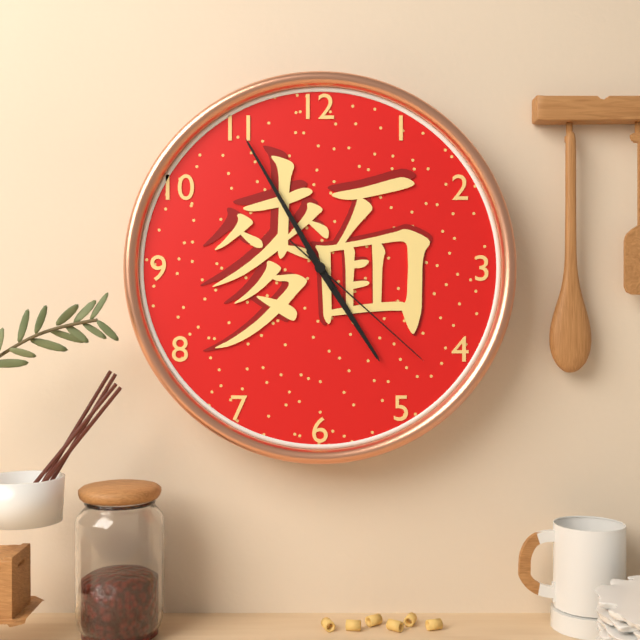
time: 4:55:22
